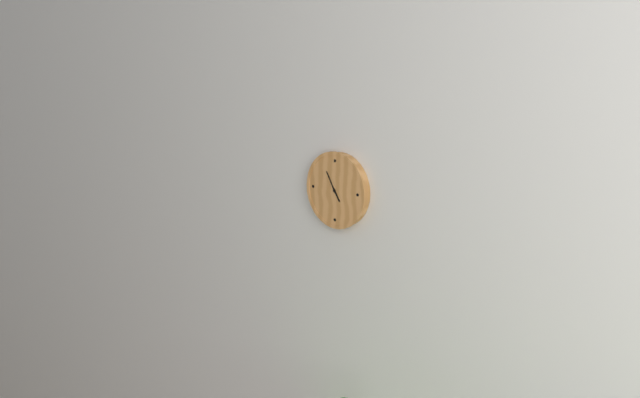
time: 4:55
